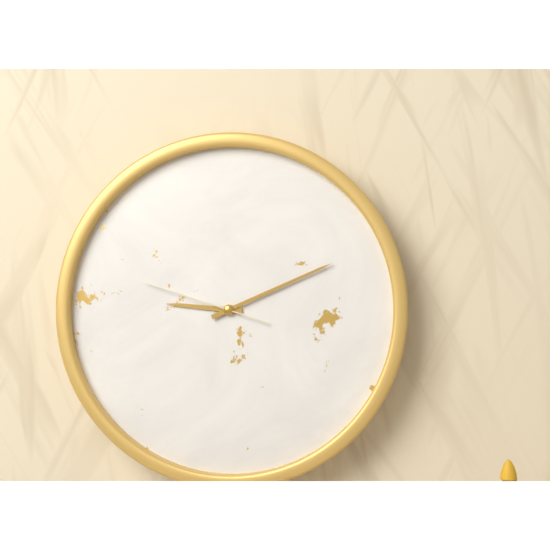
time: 9:11:48
